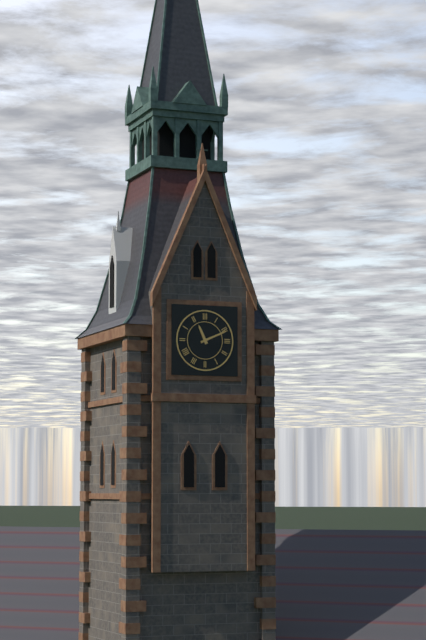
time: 11:11
